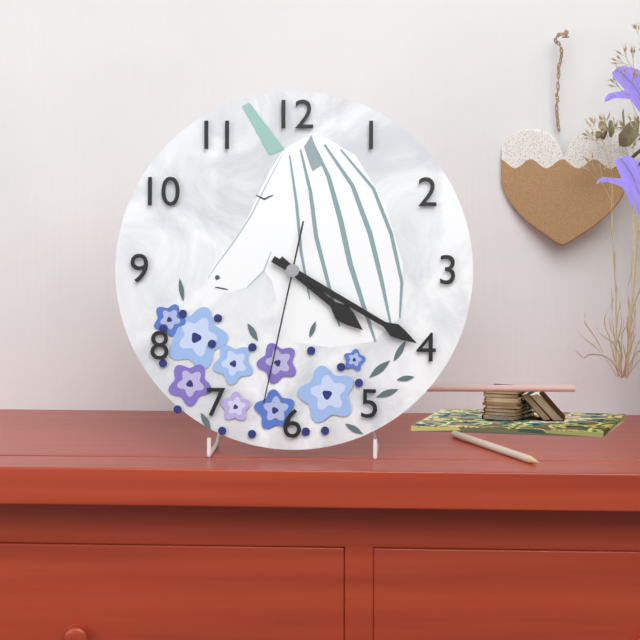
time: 4:20:32
